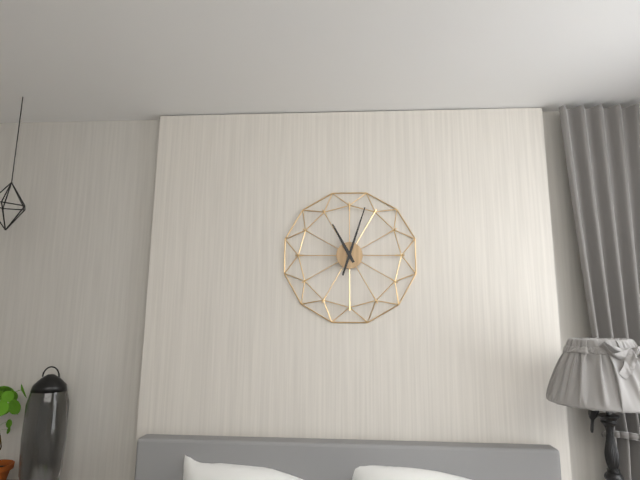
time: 11:03
